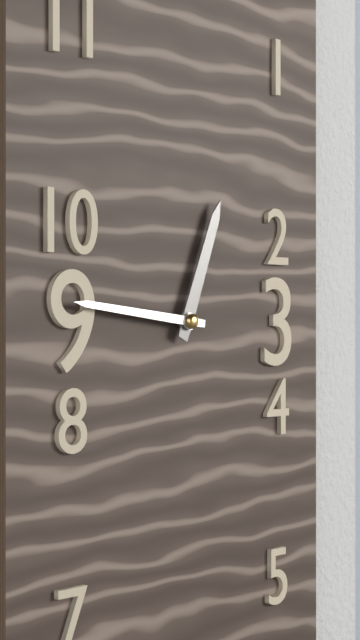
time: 12:46
